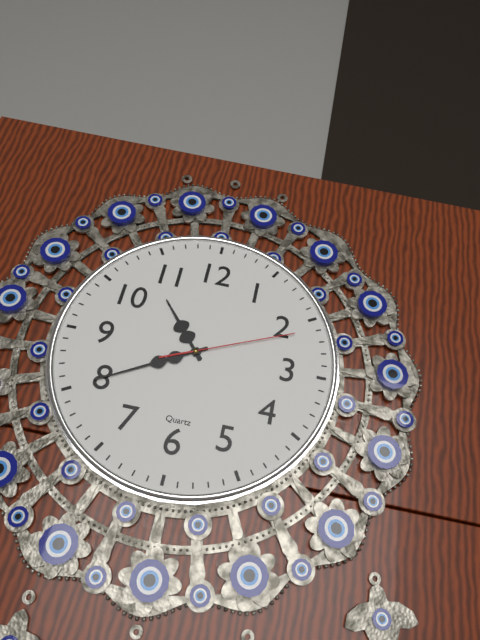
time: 10:40:11
